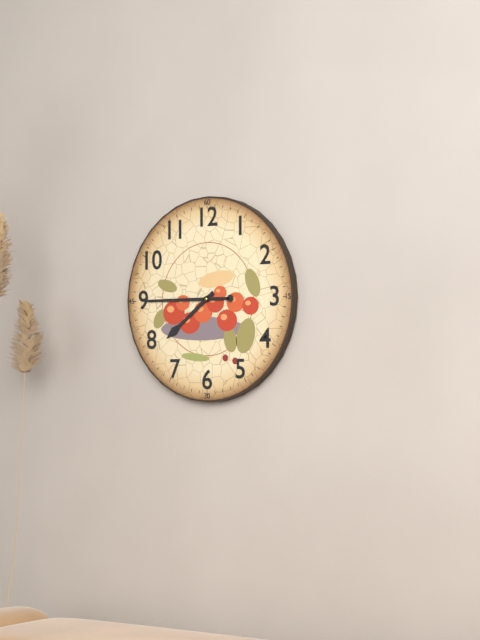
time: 7:45
